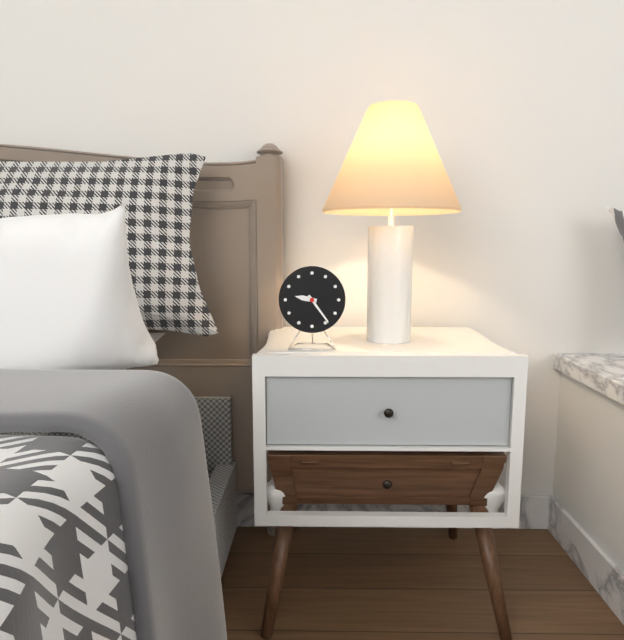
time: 9:24
